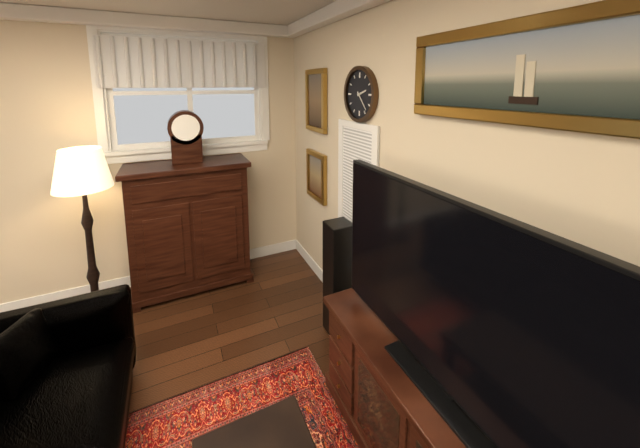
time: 2:23
